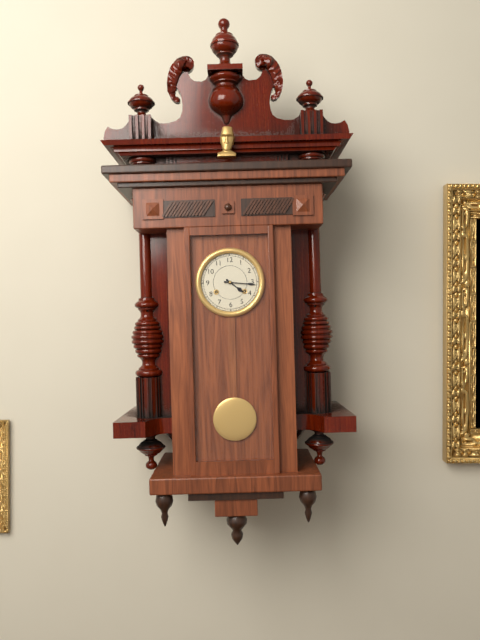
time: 4:16
